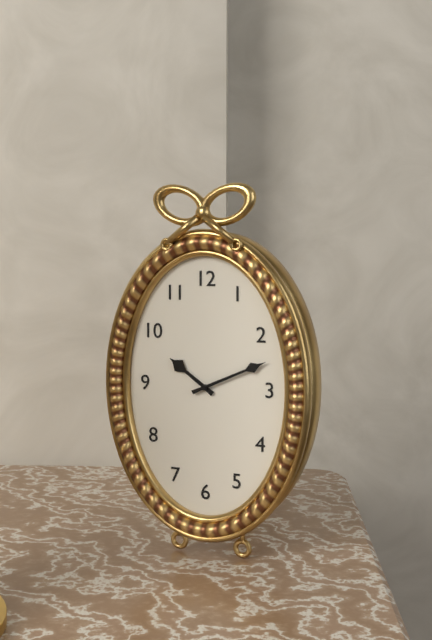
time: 10:11
